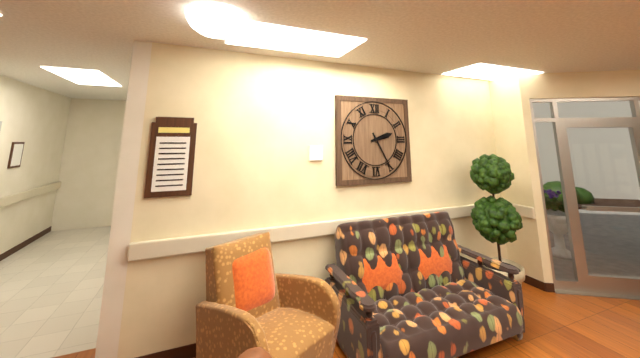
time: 2:25
